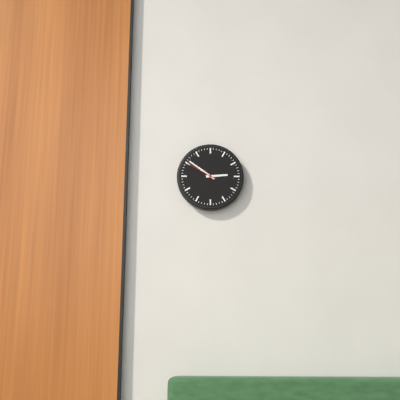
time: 2:51
